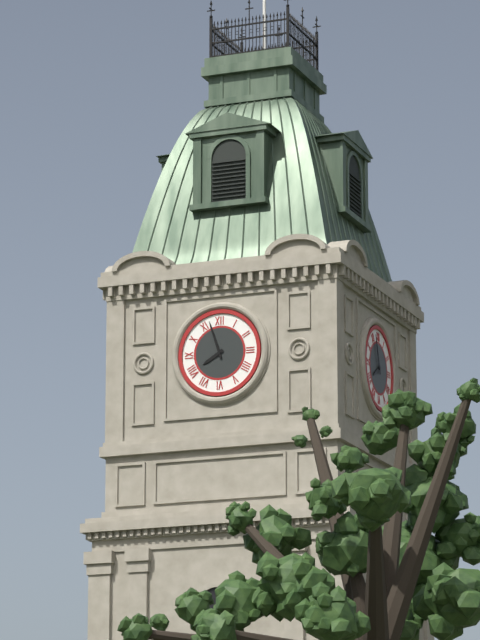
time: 7:57
